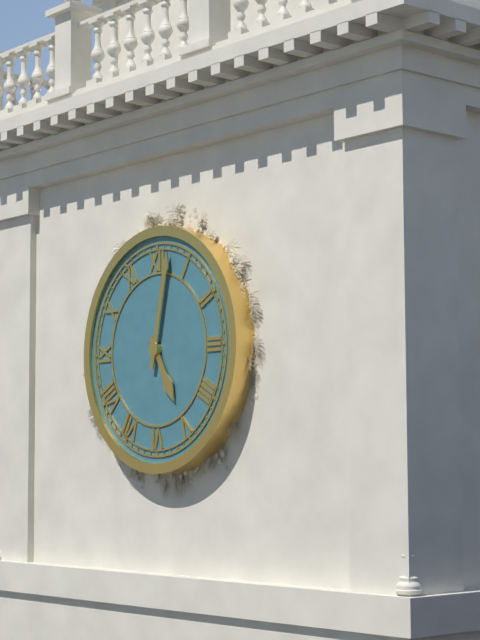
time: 5:02
